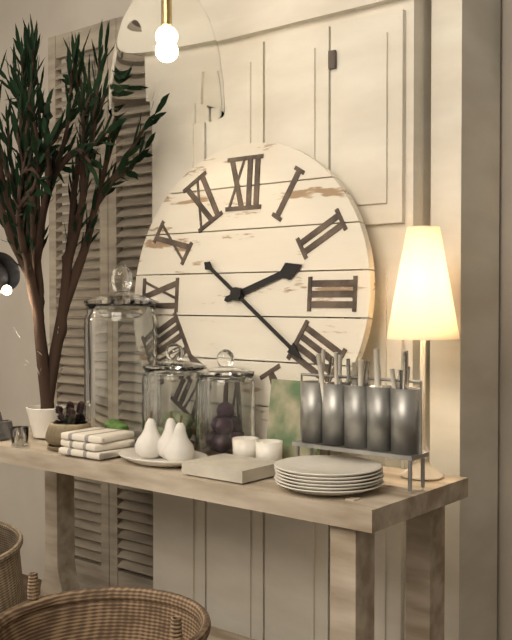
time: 2:21
